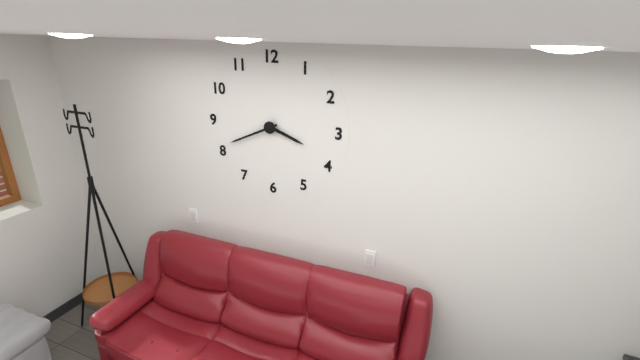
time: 3:41
